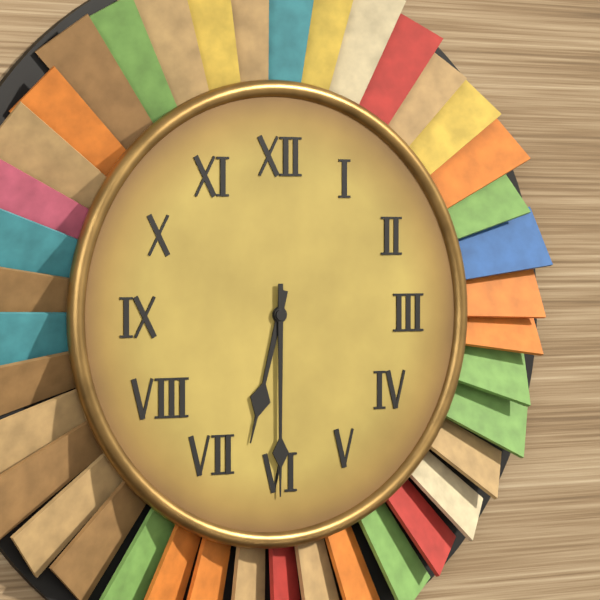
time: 6:30
